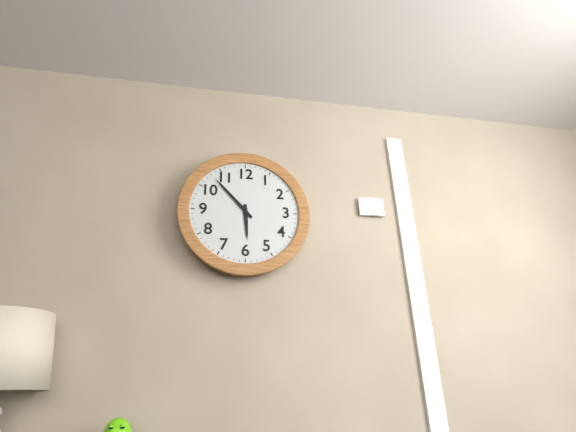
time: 5:53
